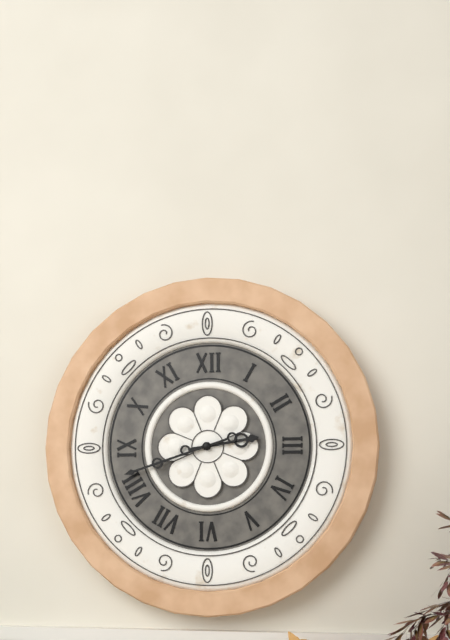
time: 2:42
